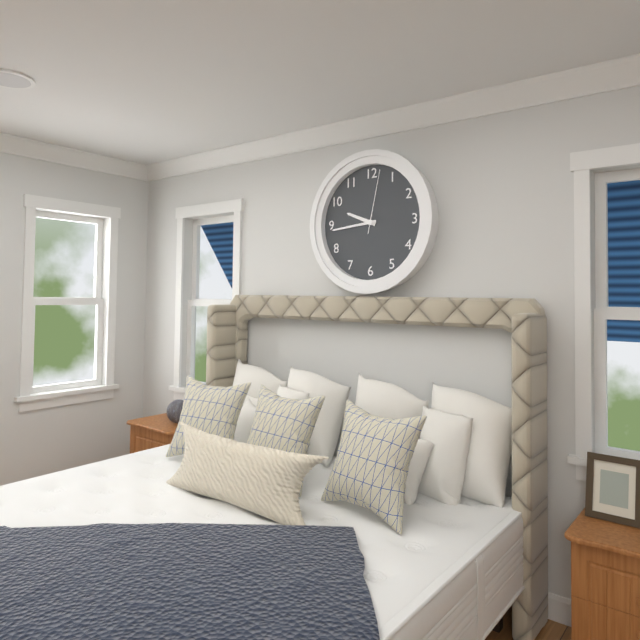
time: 9:44:02
